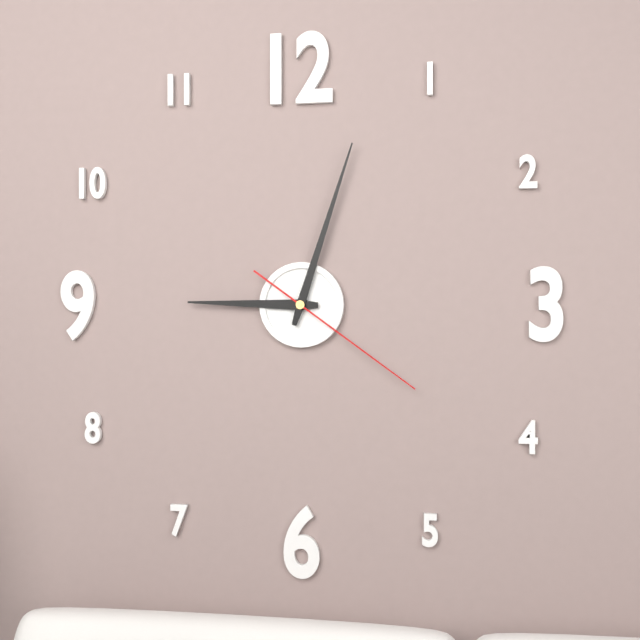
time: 9:03:21
